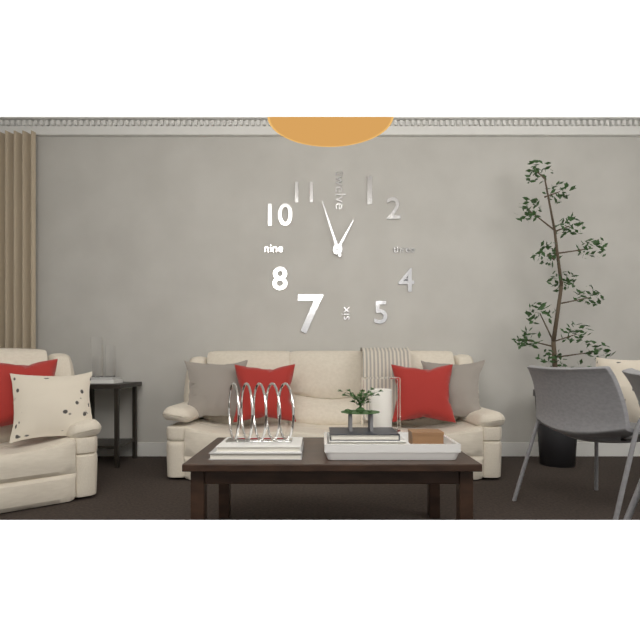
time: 12:57
